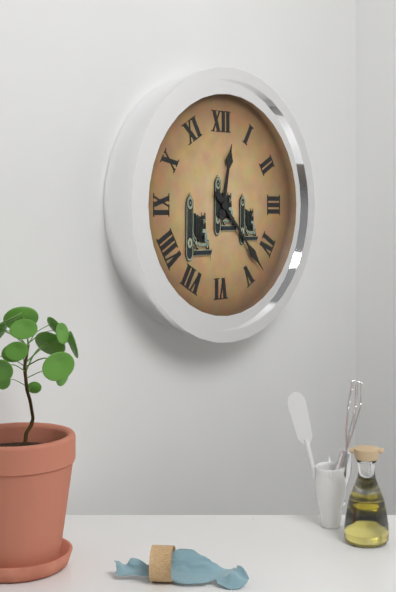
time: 12:23
